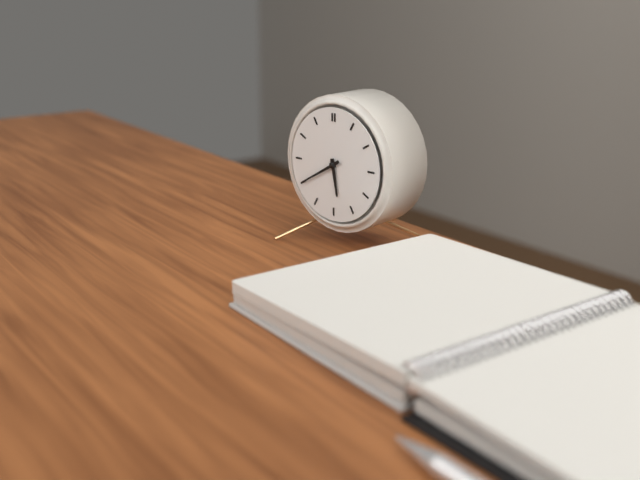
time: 5:40
